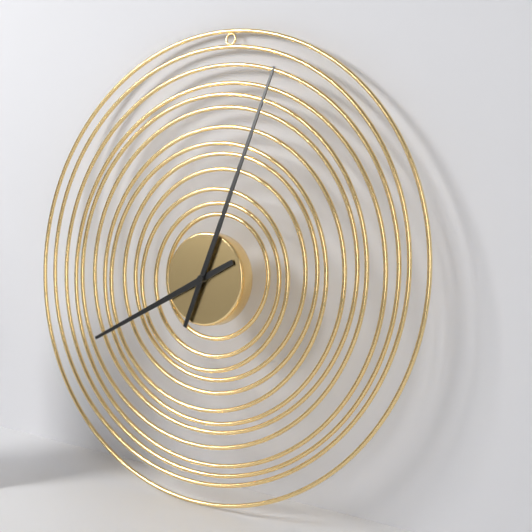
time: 8:03
